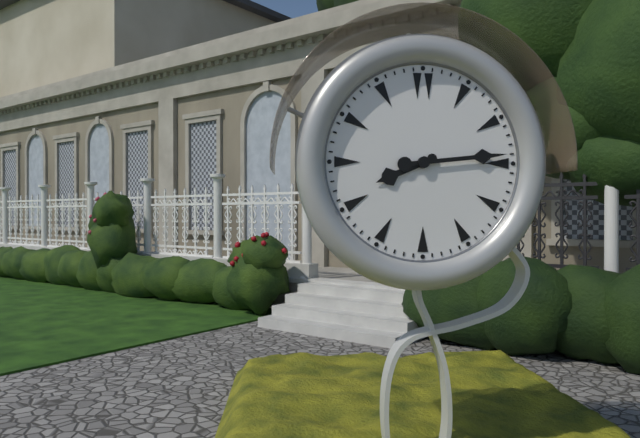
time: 8:14
